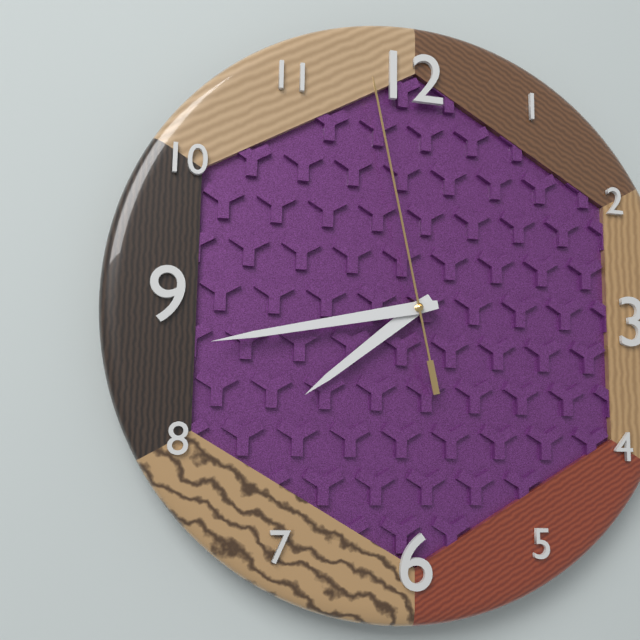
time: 7:43:58
